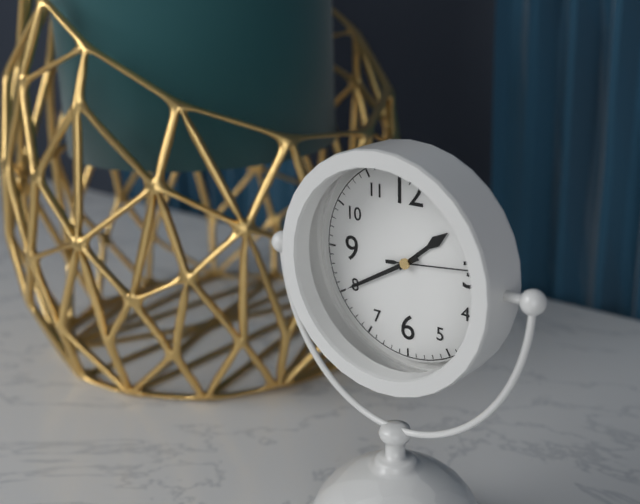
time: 1:40:14
